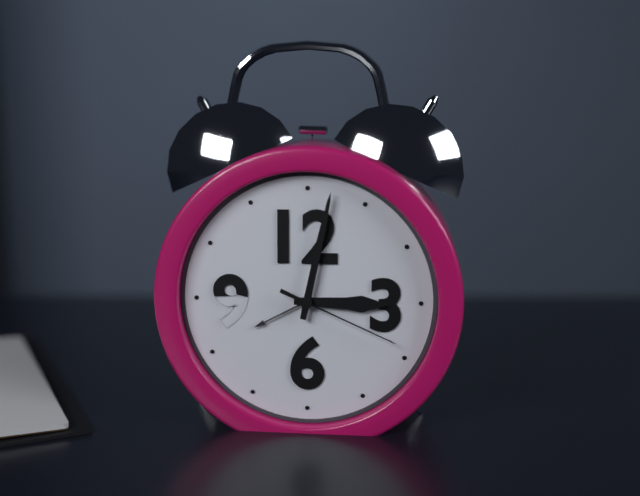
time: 3:02:19
